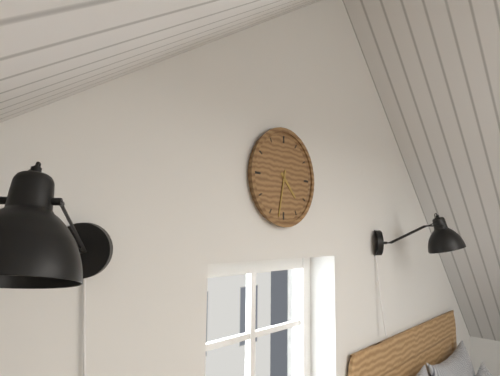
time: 4:32
